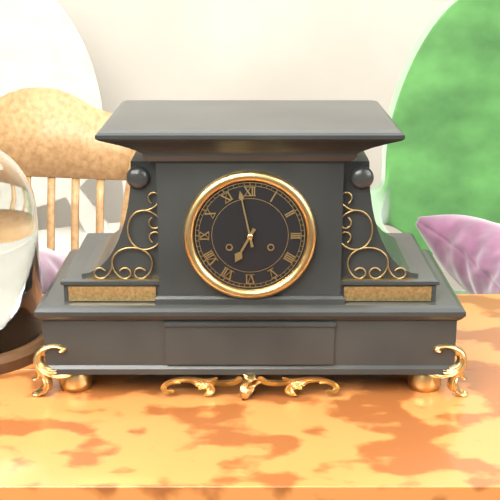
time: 6:58
